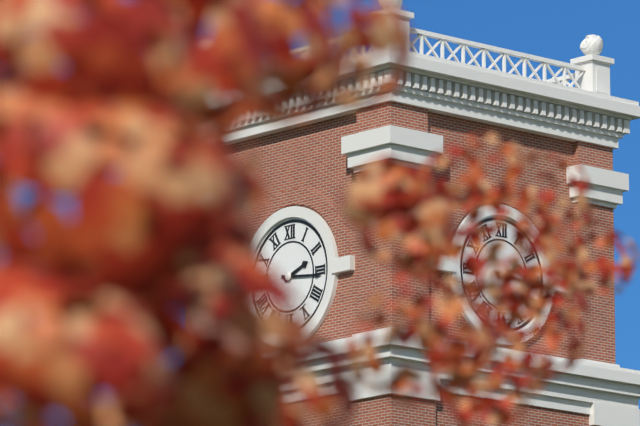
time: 2:16
